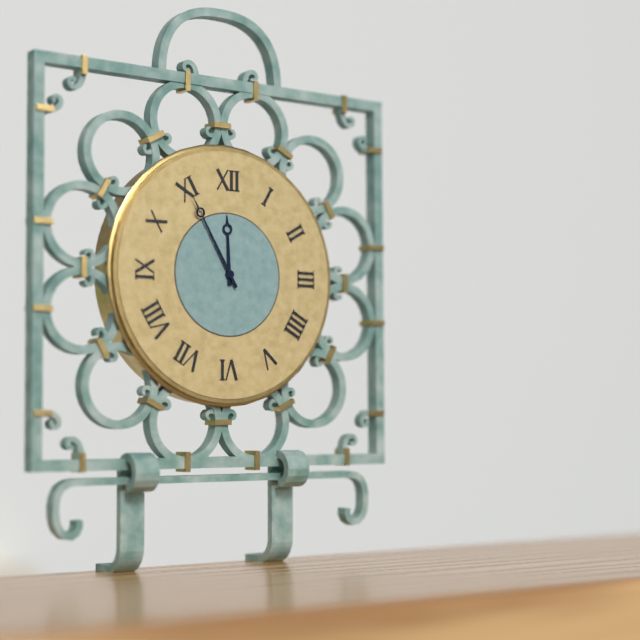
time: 11:55
